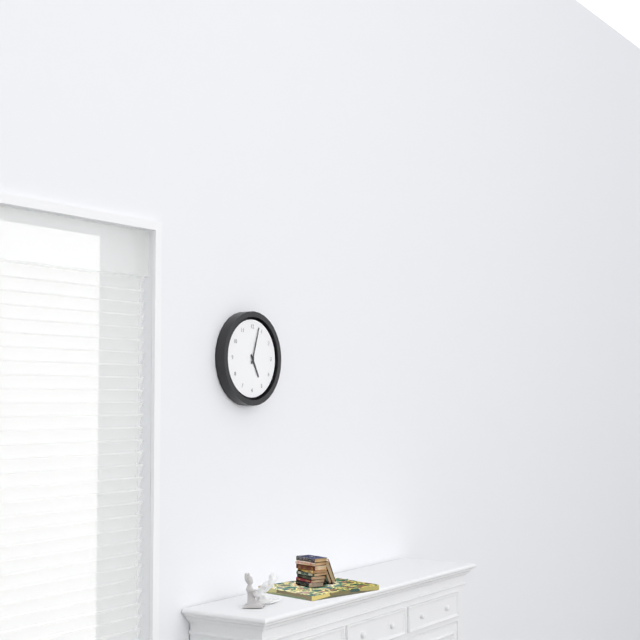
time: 5:03
